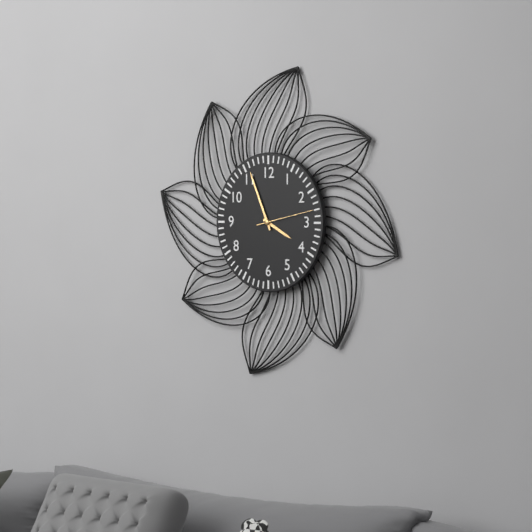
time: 3:56:13
